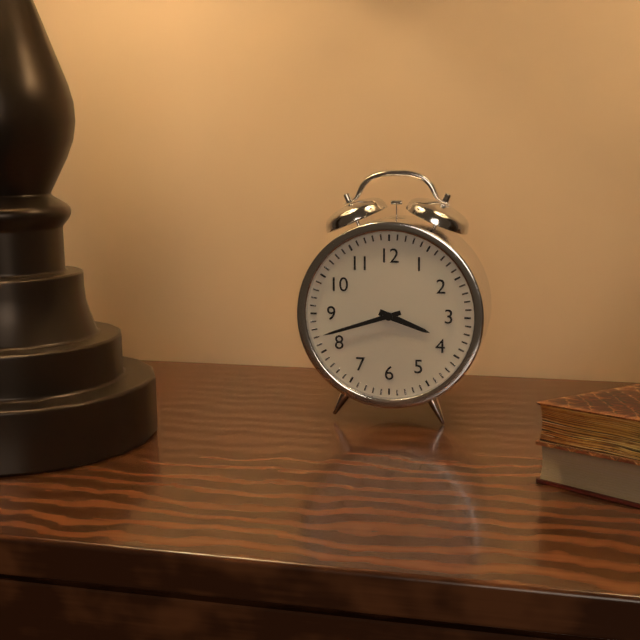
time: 3:42
